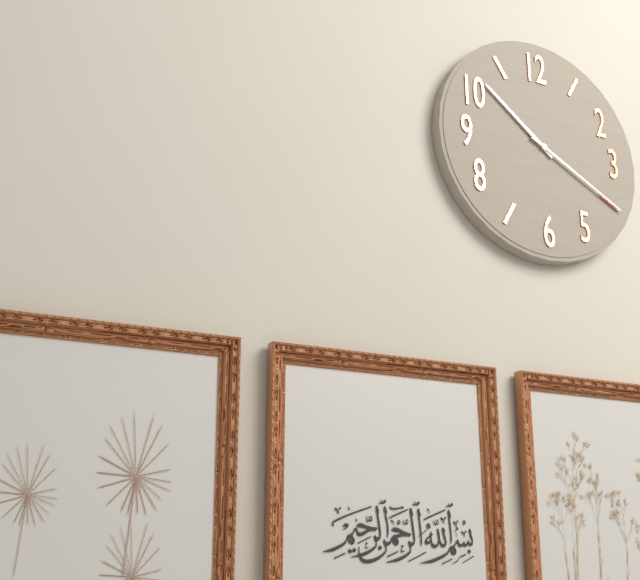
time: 10:20
